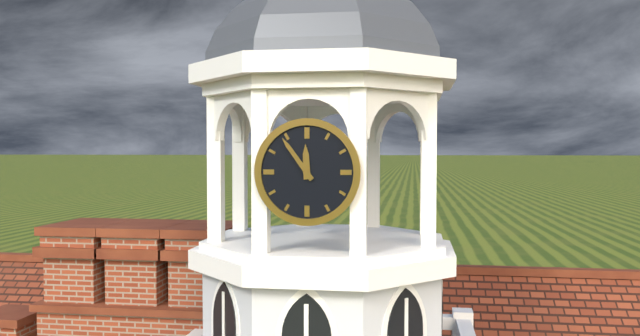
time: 11:54
